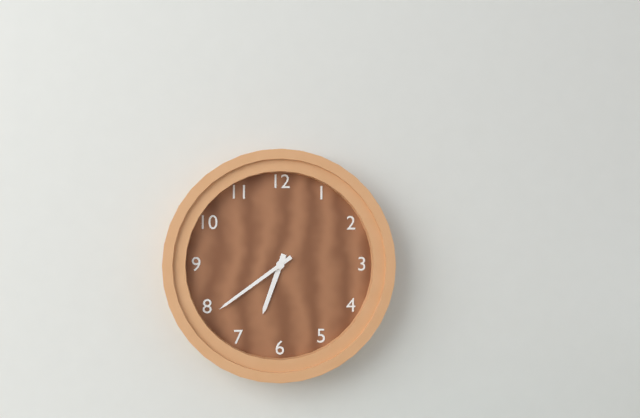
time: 6:39
